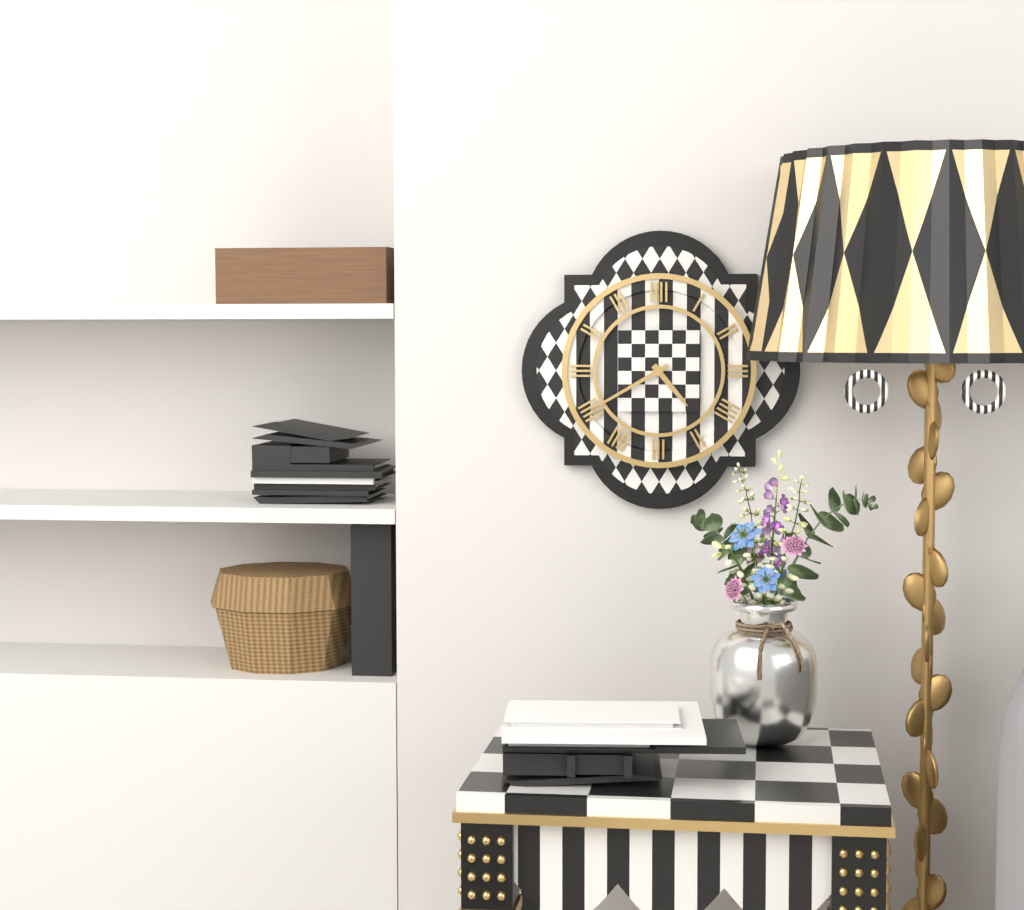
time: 4:40
